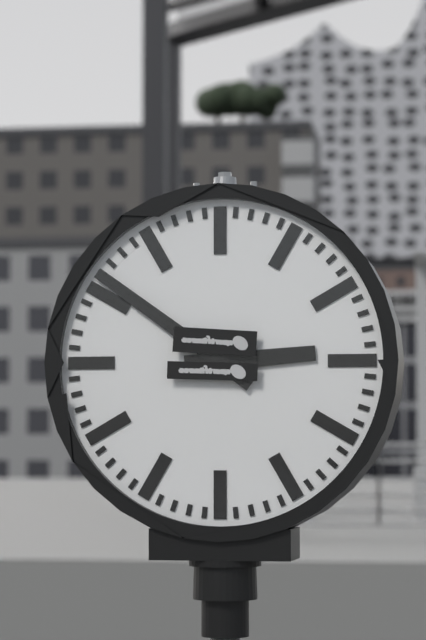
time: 2:51
